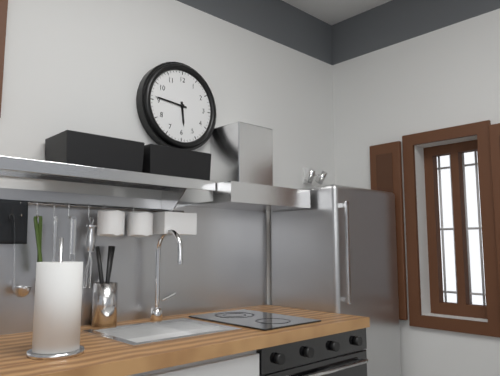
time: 5:46
